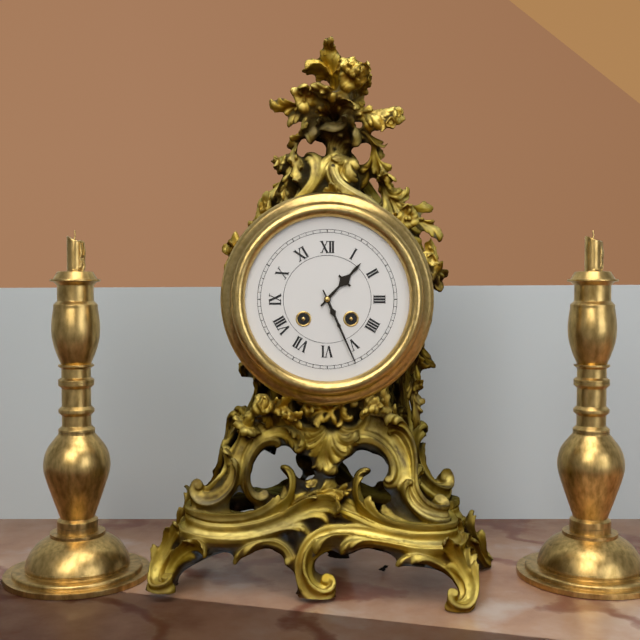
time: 1:26
